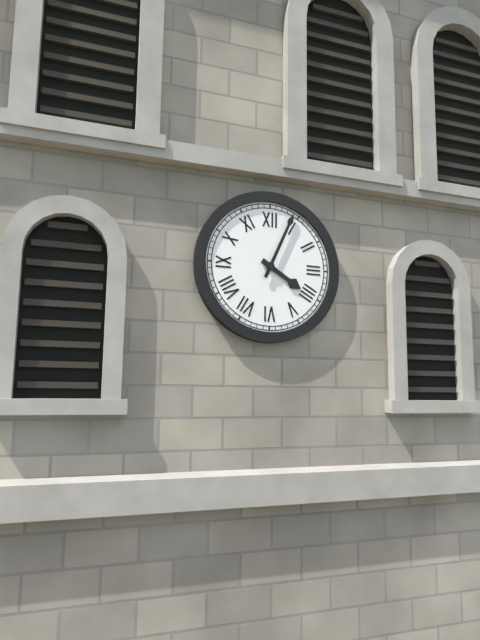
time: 4:04
